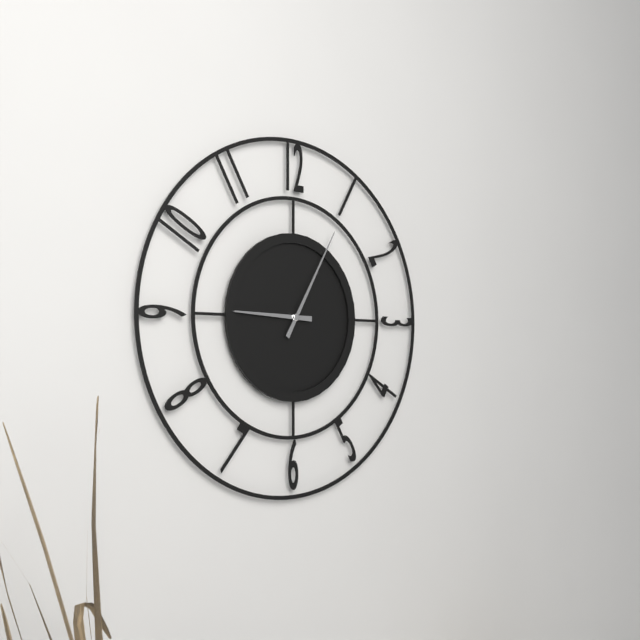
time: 9:05
